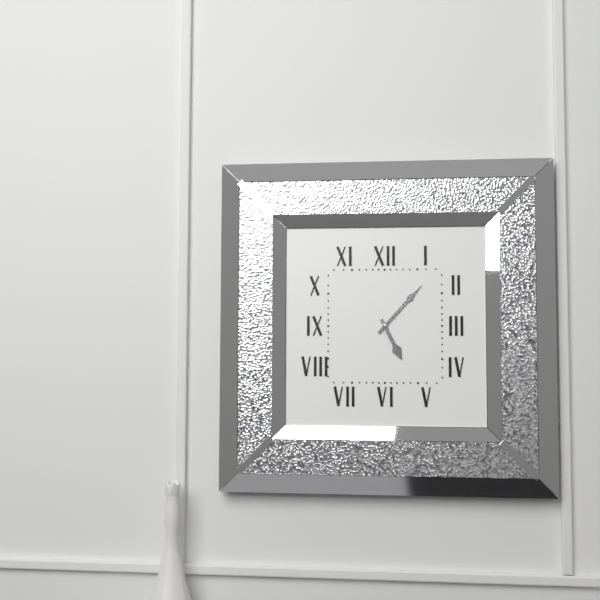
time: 5:07
